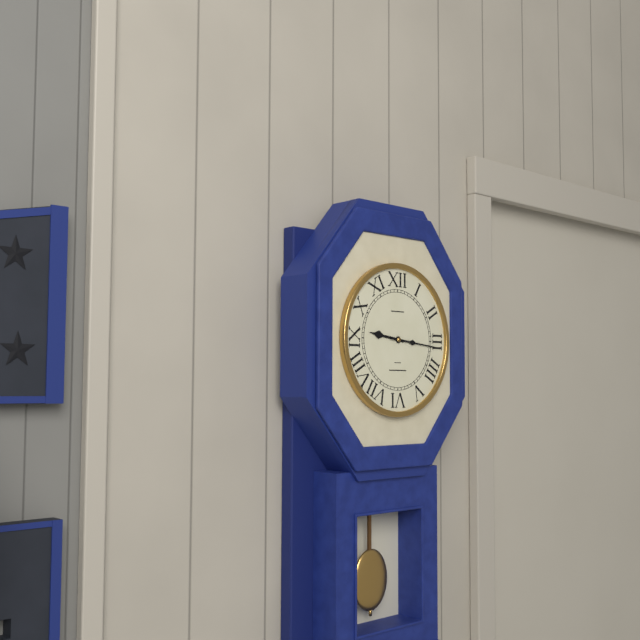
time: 9:16
